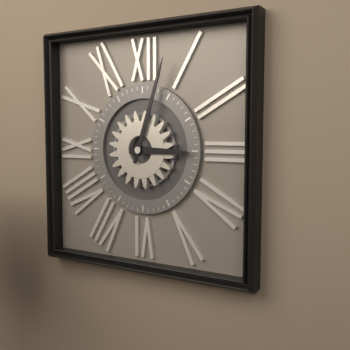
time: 3:03
